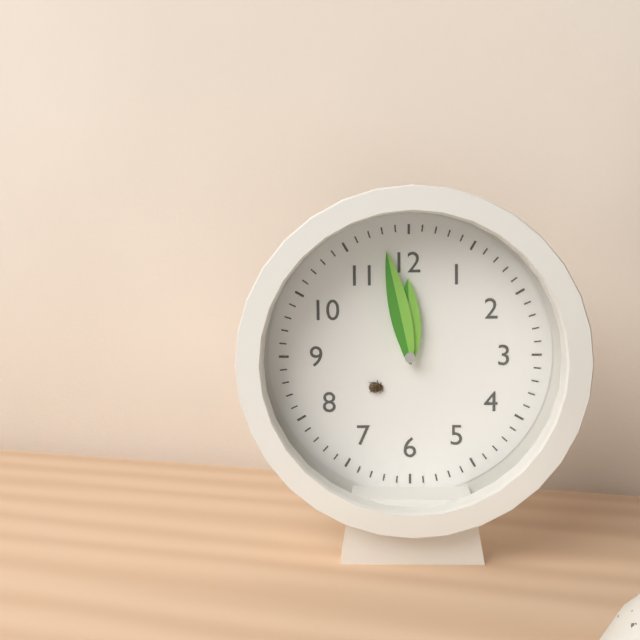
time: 11:58
